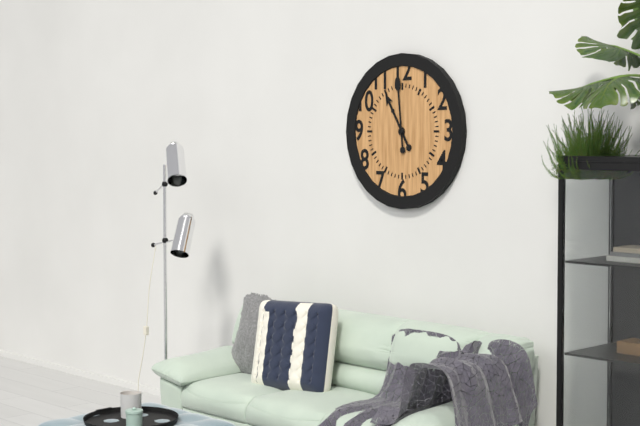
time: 10:59
